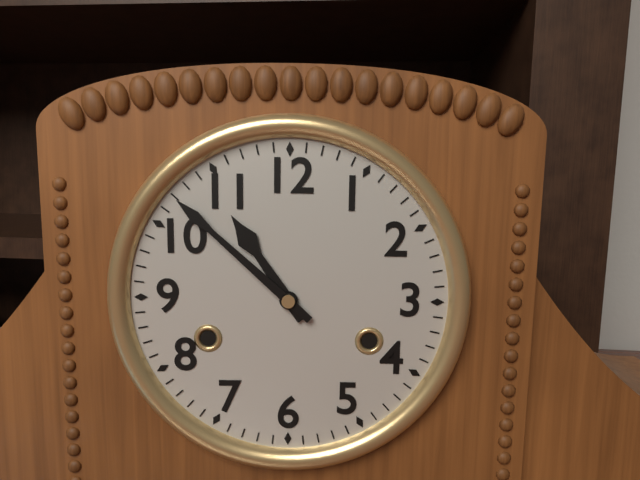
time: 10:52
